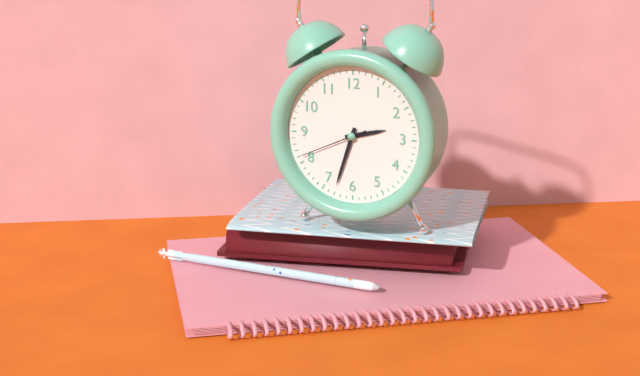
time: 2:33:41
